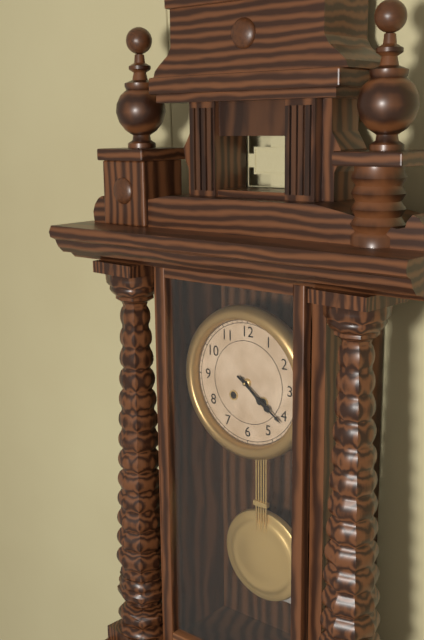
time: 4:21
